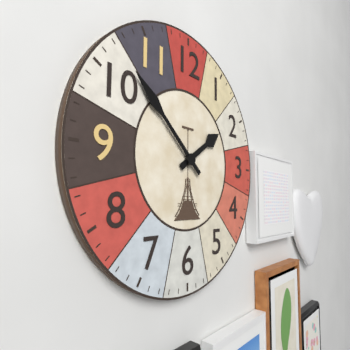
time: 1:52
